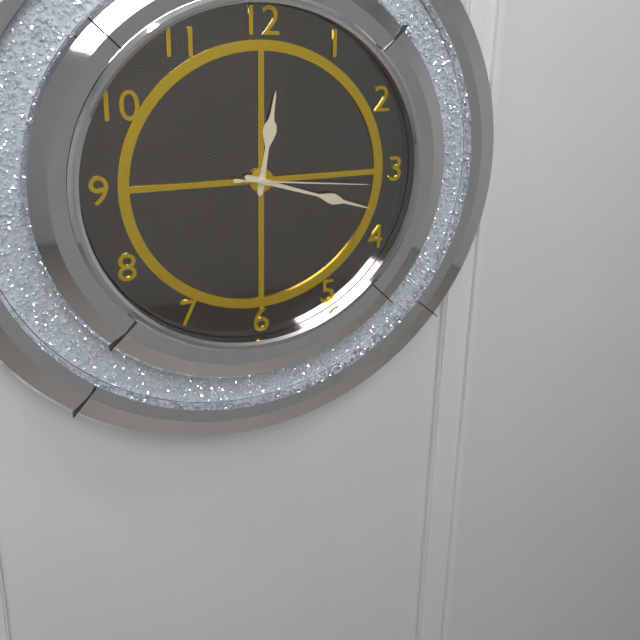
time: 12:18:16
